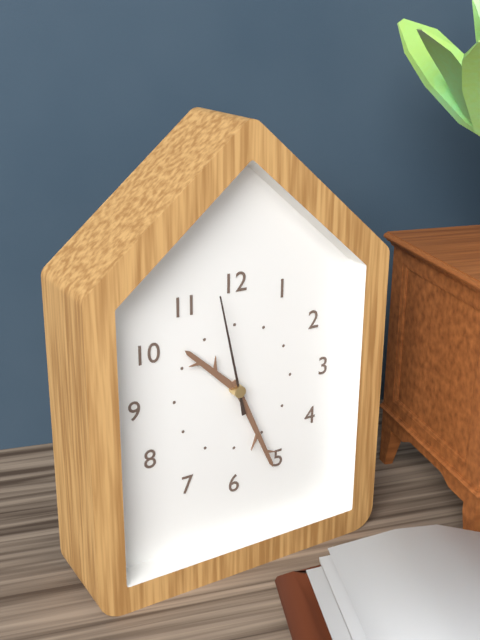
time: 10:26:58
